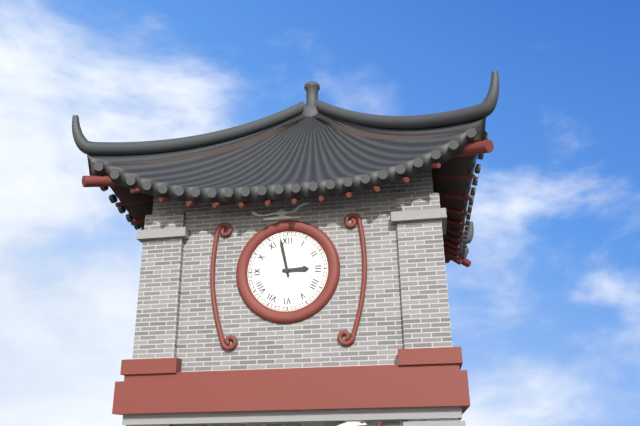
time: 2:58
